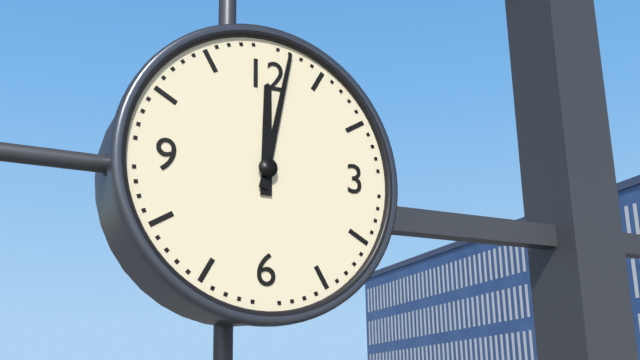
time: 12:02
